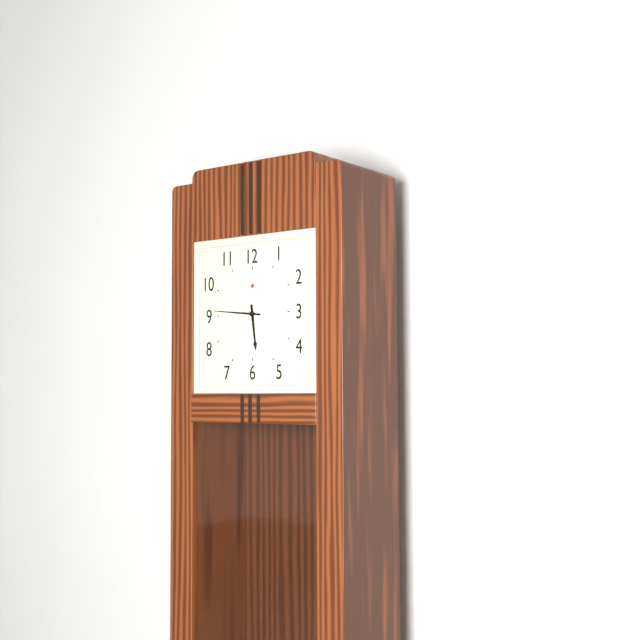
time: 5:46
